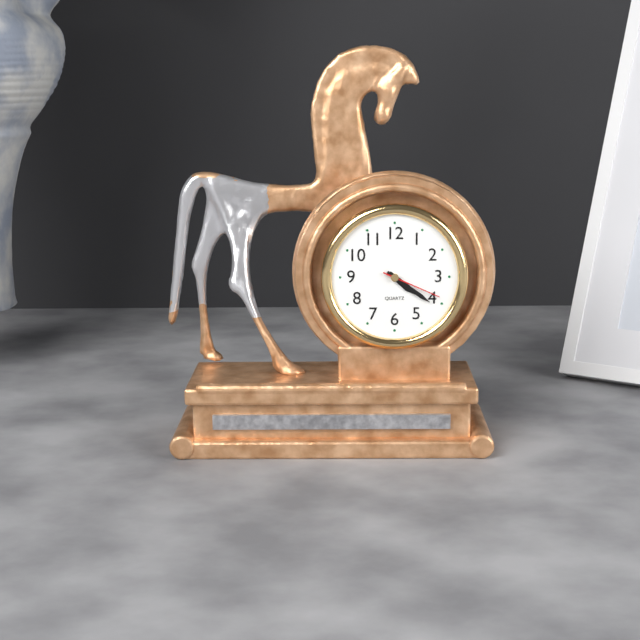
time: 4:21:19
